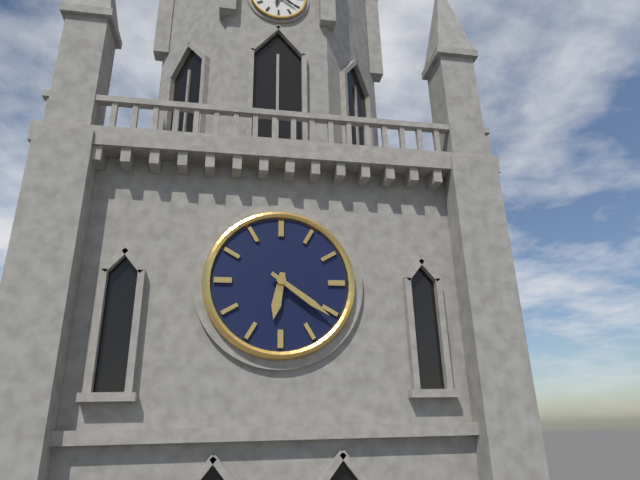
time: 6:21
